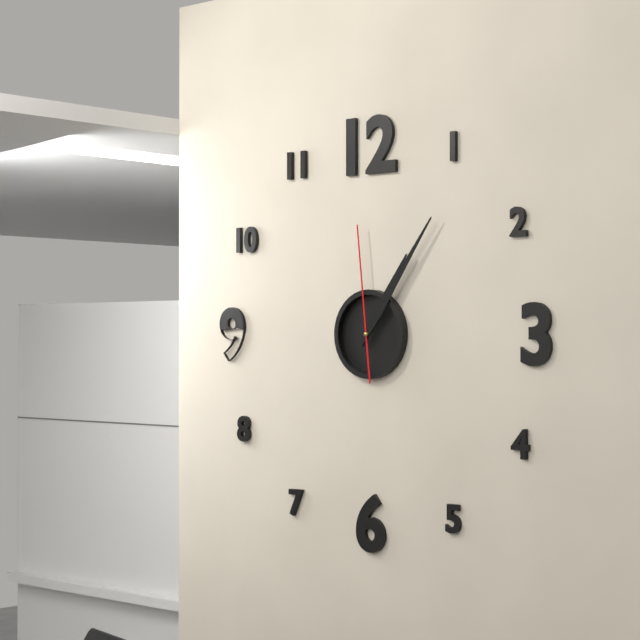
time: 1:06:59
